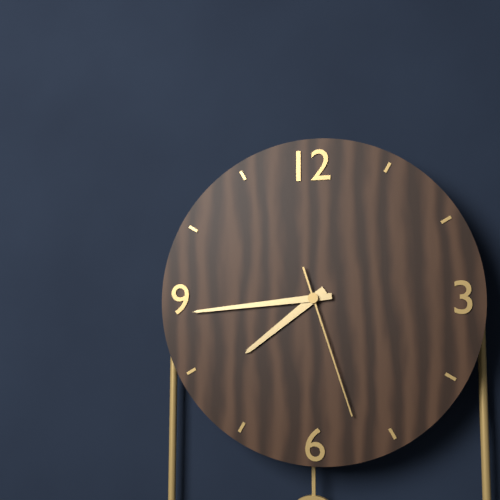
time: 7:44:27
